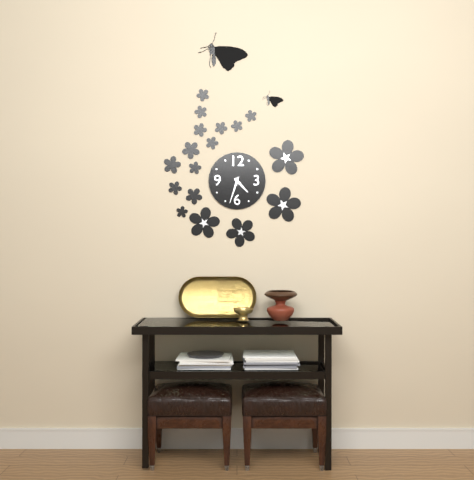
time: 4:33
